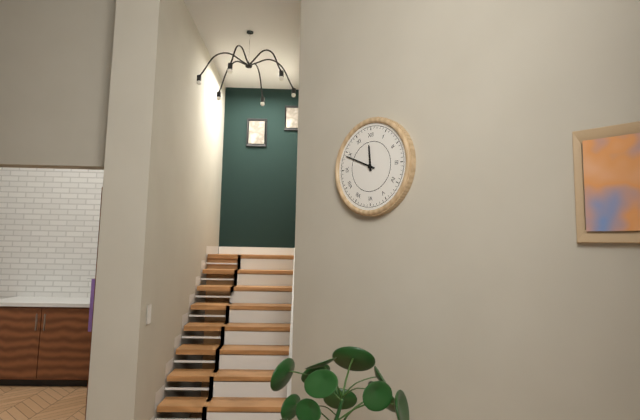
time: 11:49
